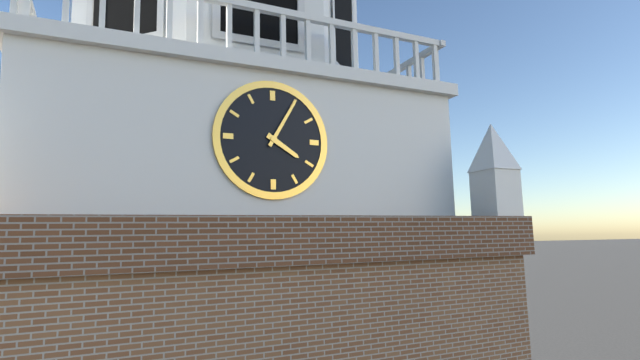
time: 4:05
